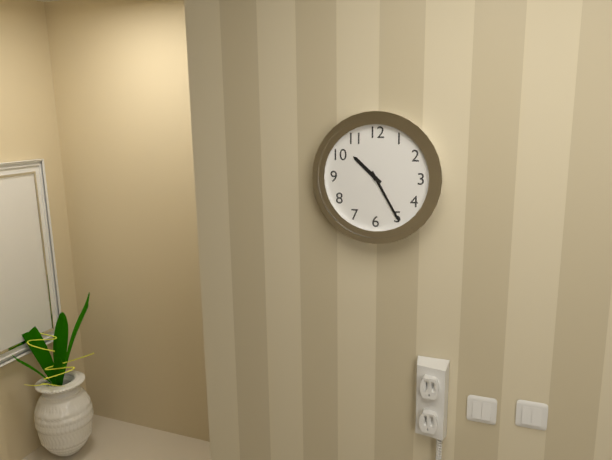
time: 10:25
